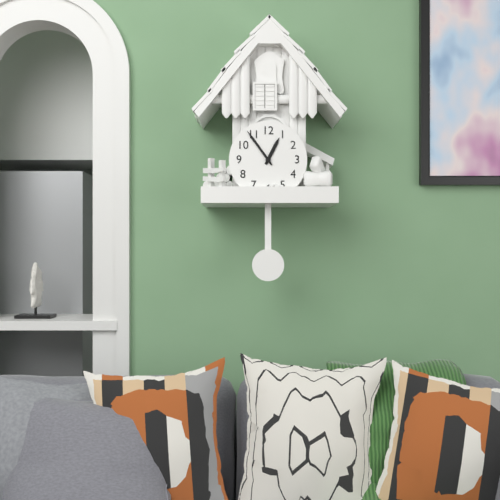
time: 12:54
